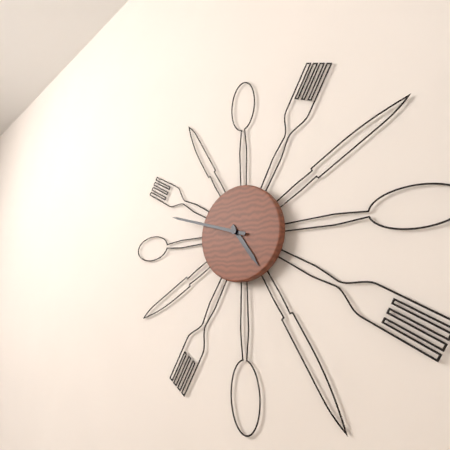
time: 4:48
